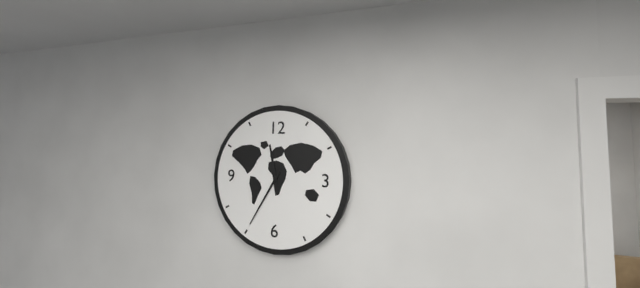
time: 11:35
